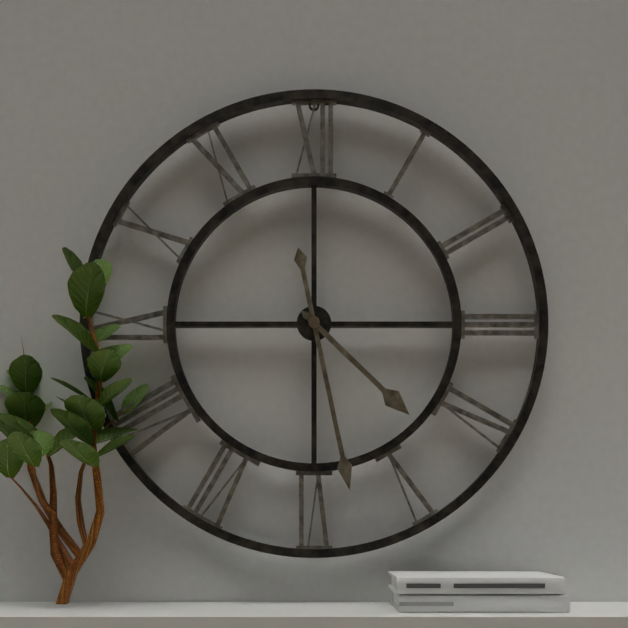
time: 4:28
